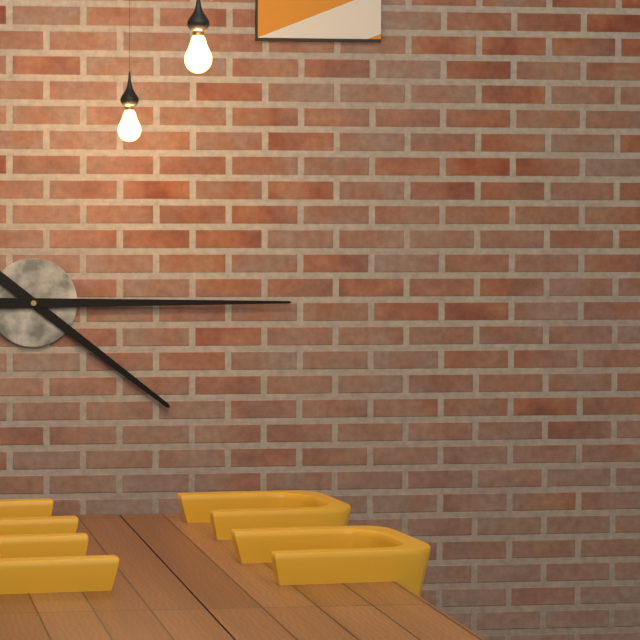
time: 4:15
